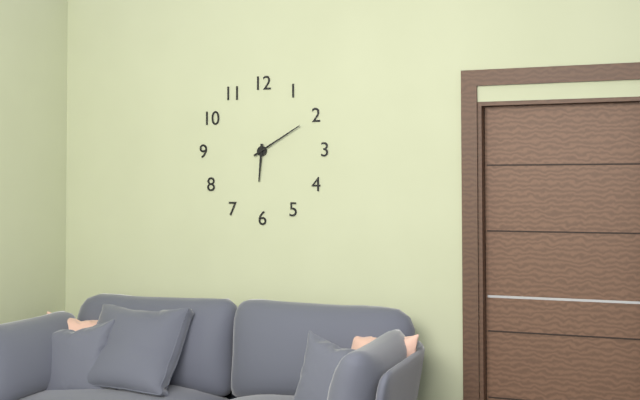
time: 6:10
